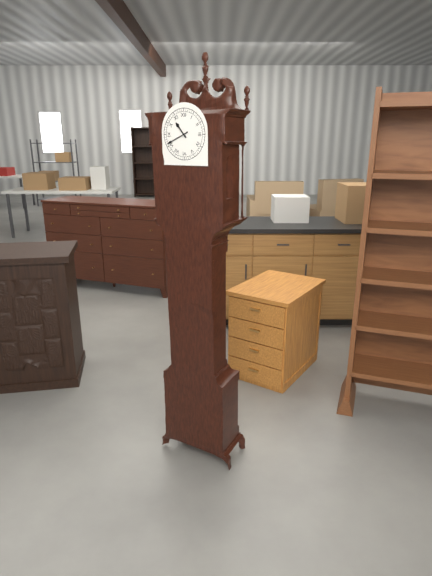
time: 10:41
